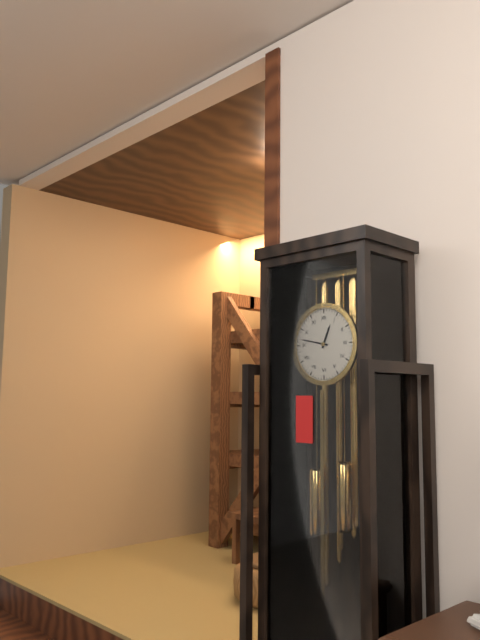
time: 12:47
